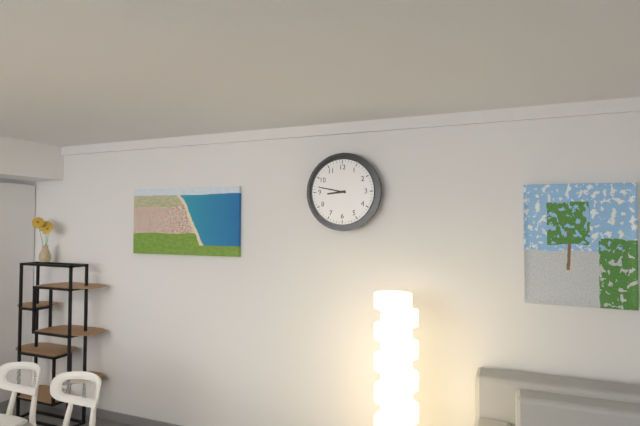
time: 8:47
